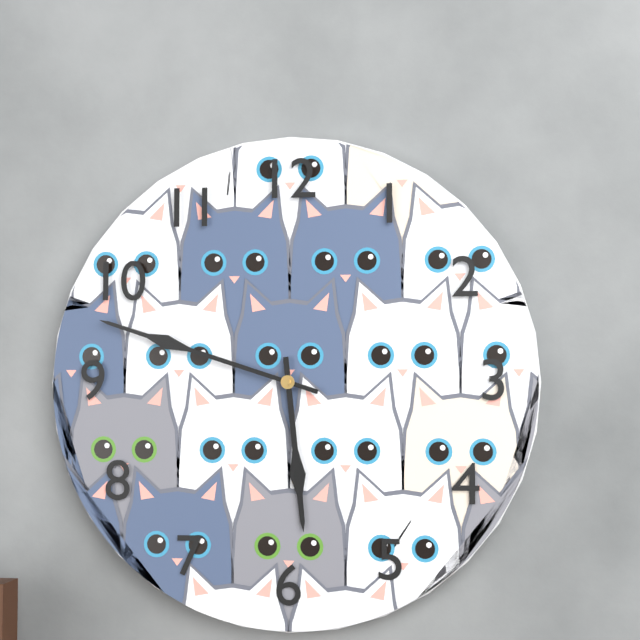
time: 5:48
